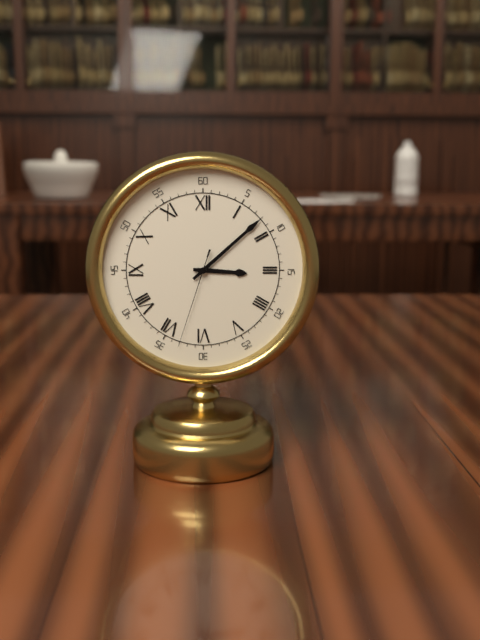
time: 3:08:33
